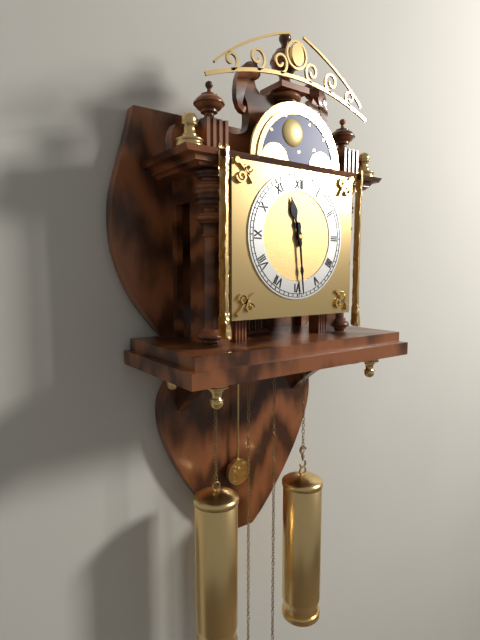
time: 11:29
